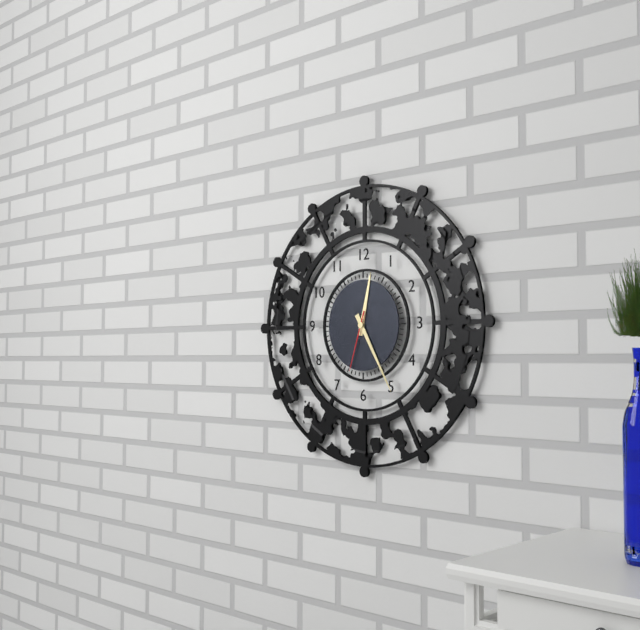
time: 12:25:33
